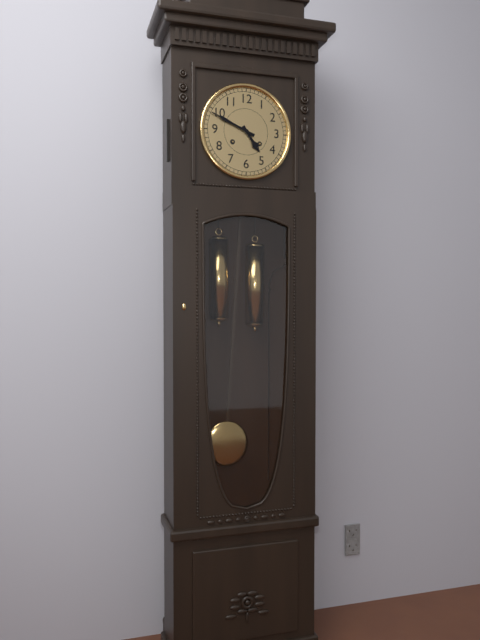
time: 4:49
